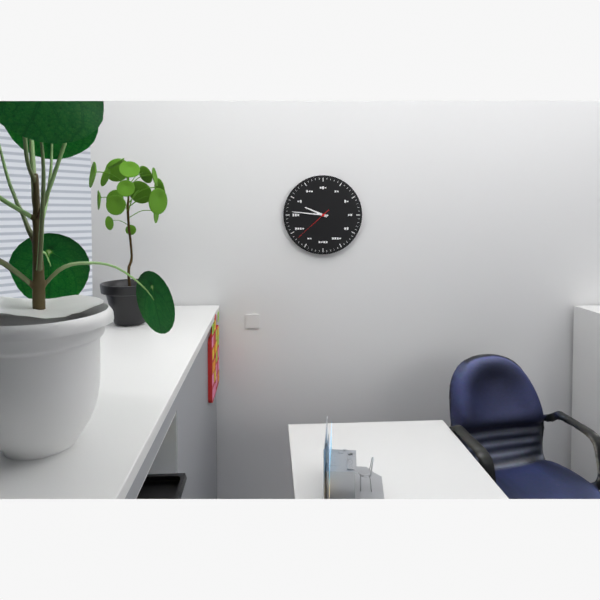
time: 9:46
